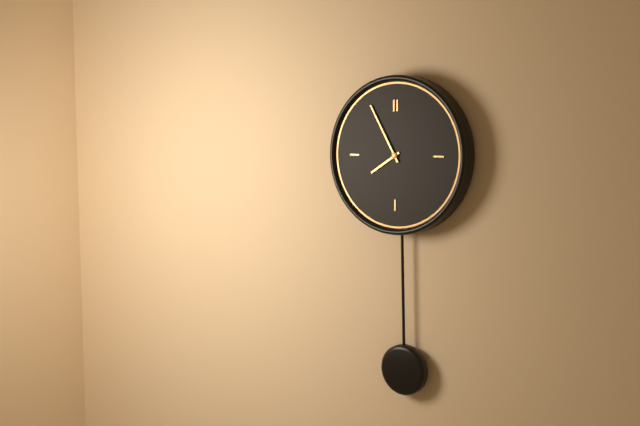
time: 7:55
